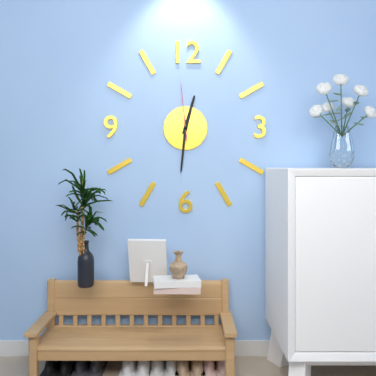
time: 12:31:59
